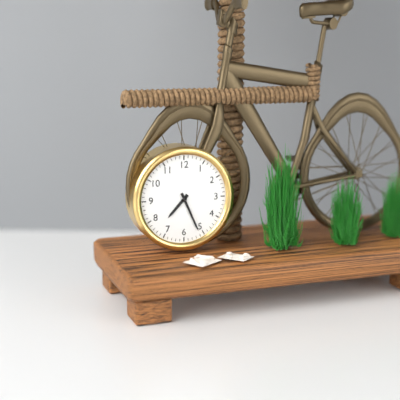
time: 7:26
